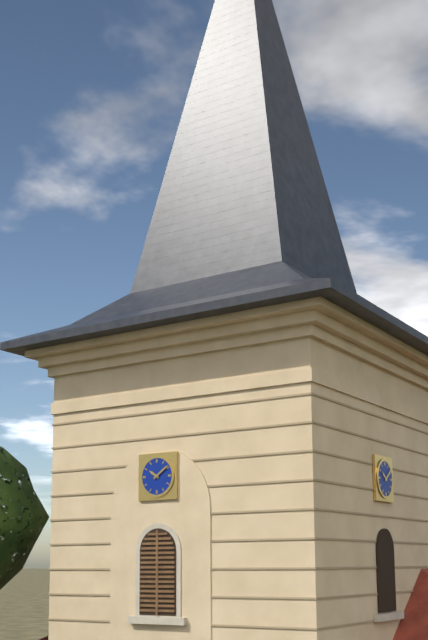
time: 10:09
